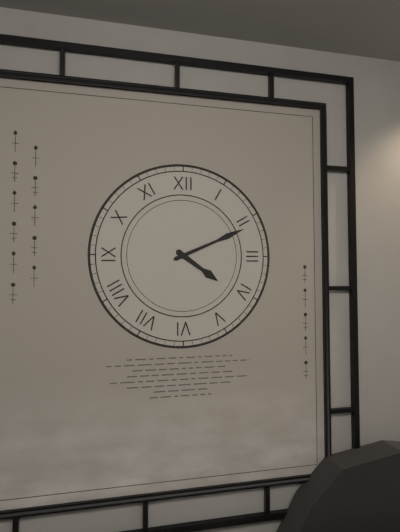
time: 4:11
